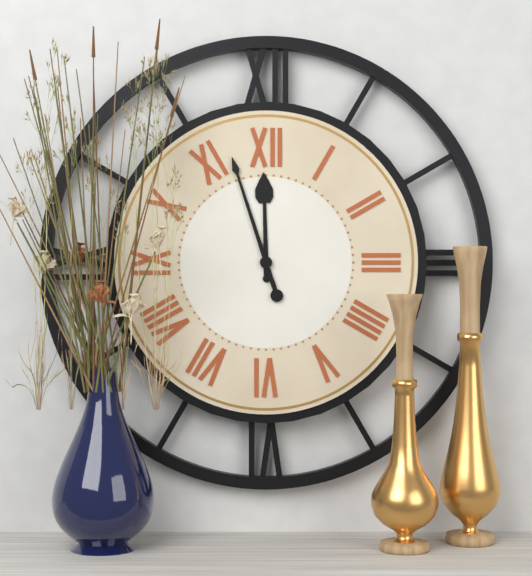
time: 11:57
